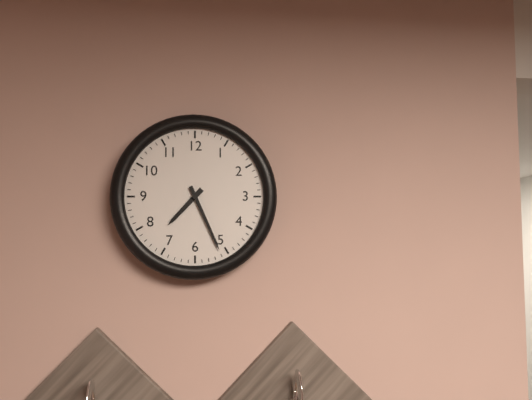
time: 7:26
